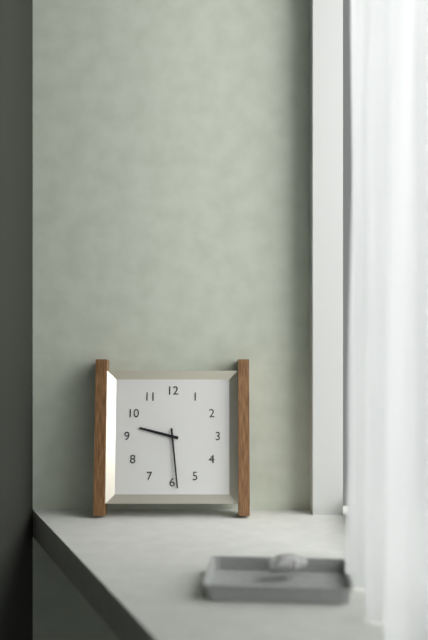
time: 9:29
